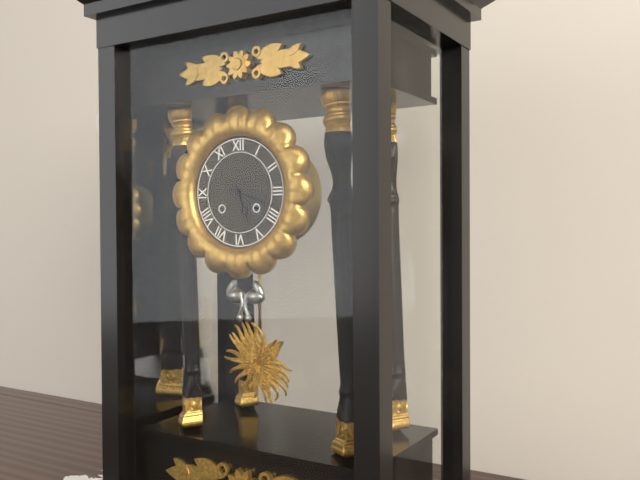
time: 5:18
